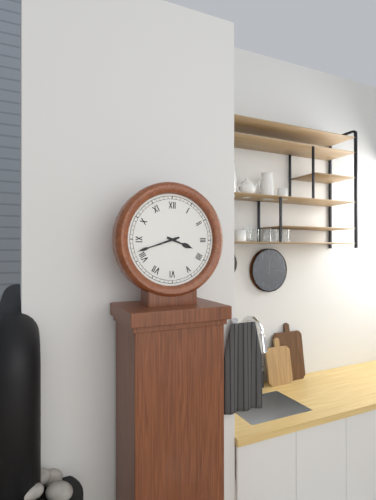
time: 3:42
